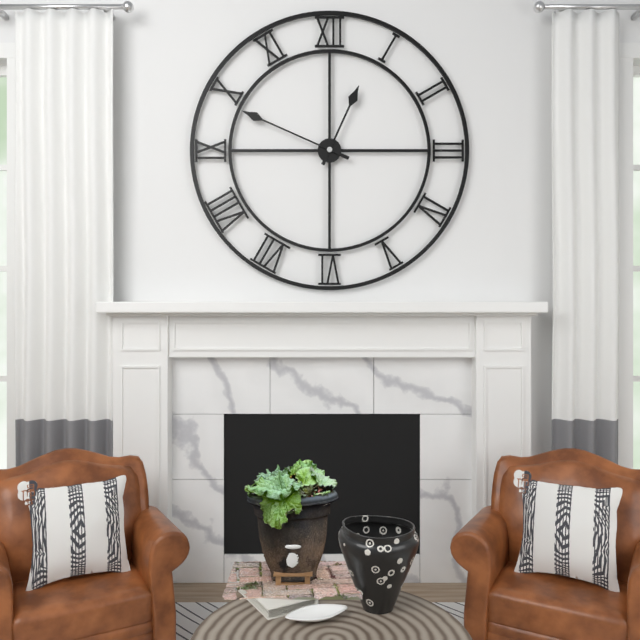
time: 12:49
